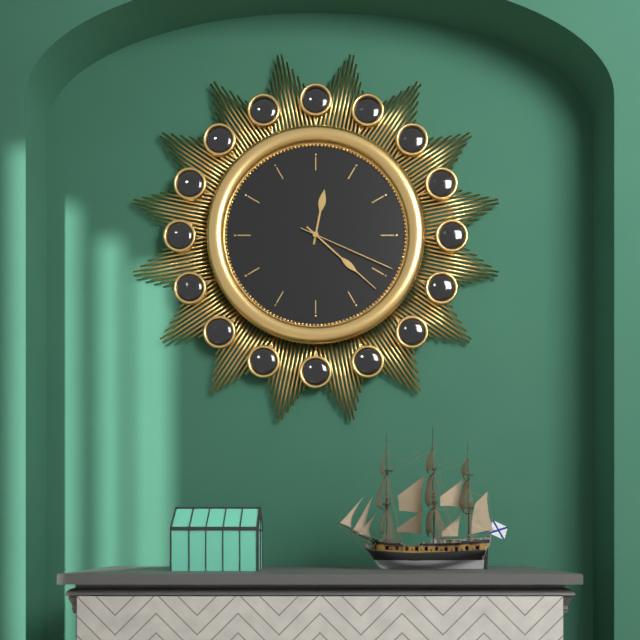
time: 12:22:19
